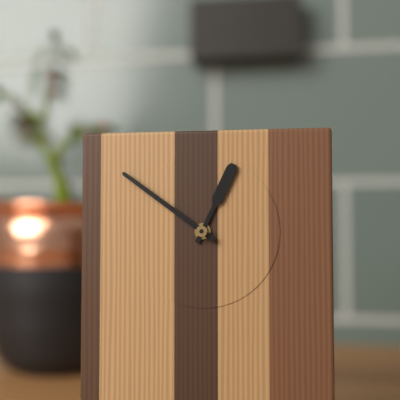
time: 12:51
